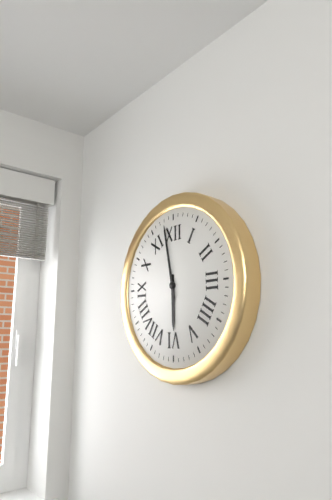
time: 5:58
